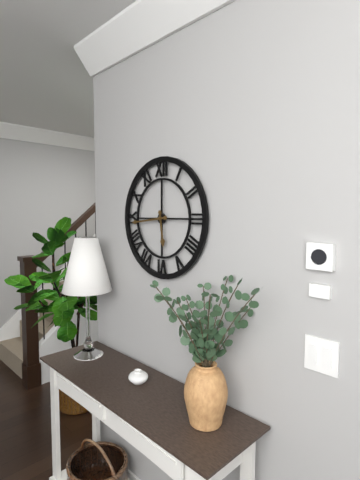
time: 5:44
